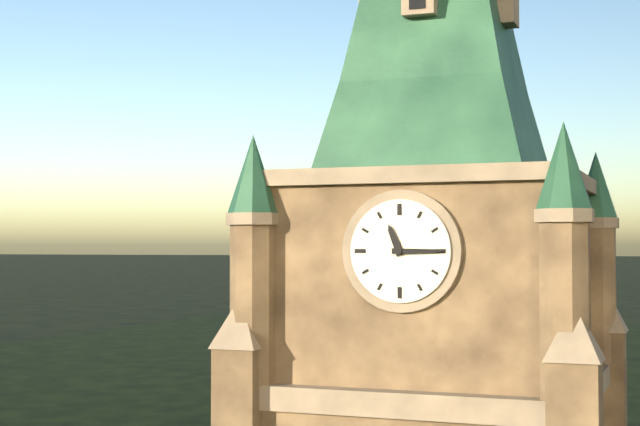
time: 11:15
